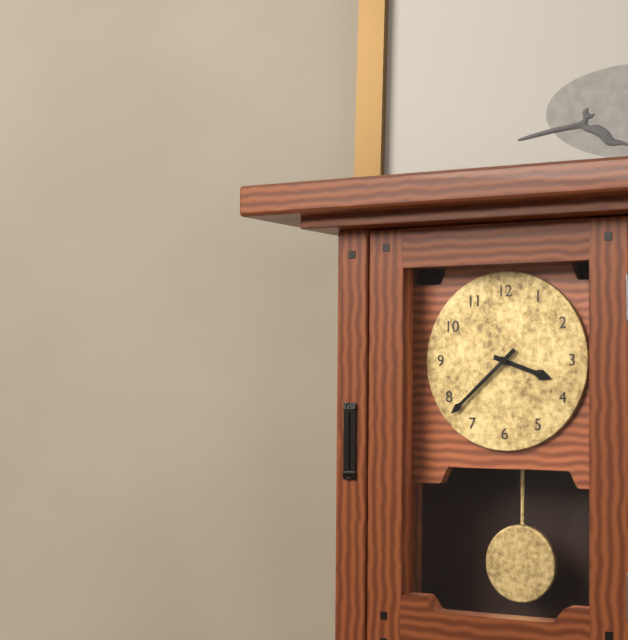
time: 3:38
